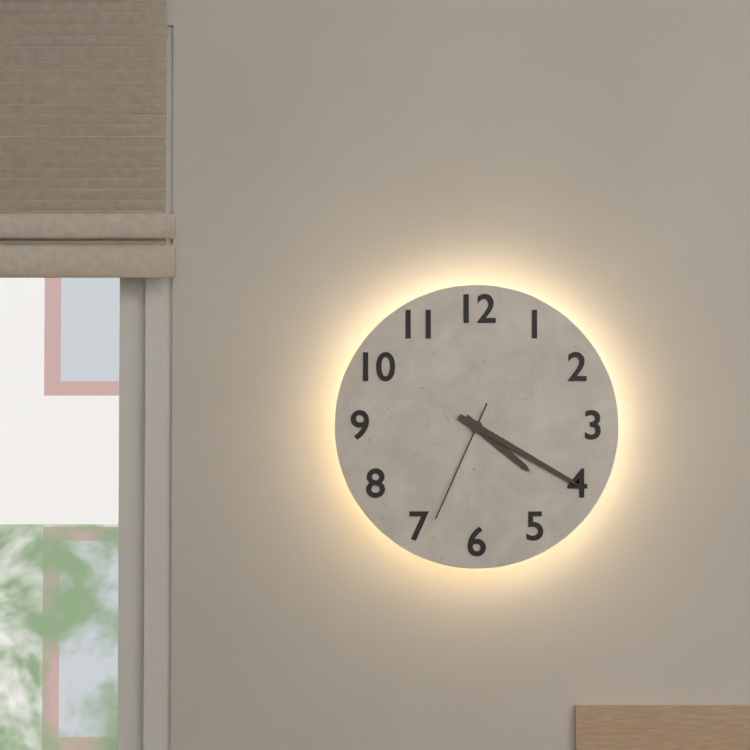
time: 4:20:34
